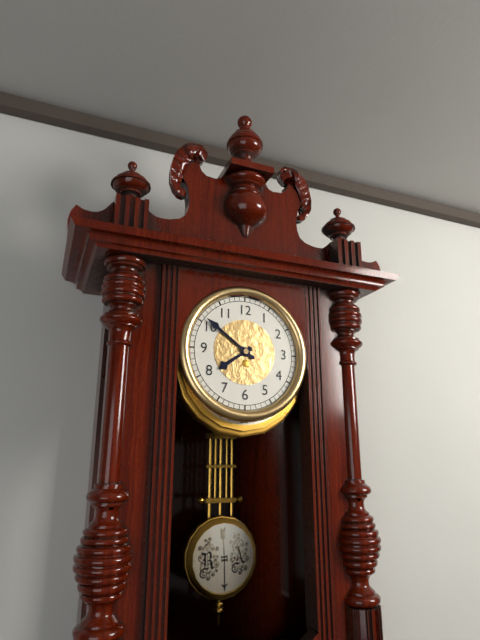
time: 7:51
